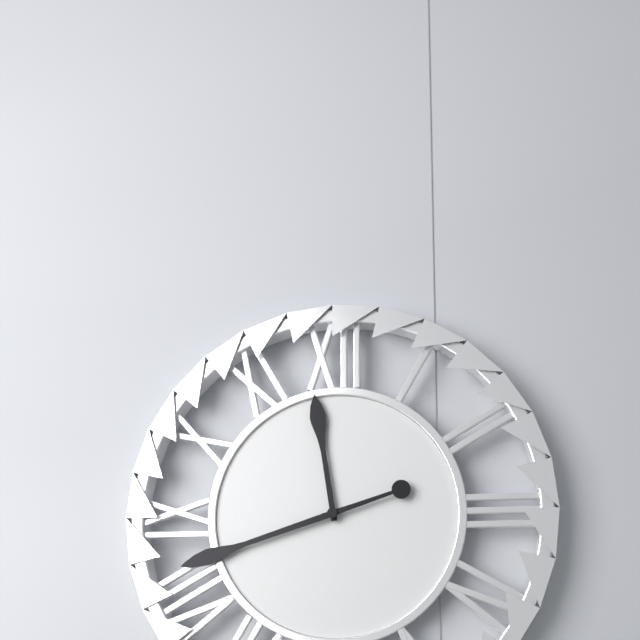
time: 11:42
